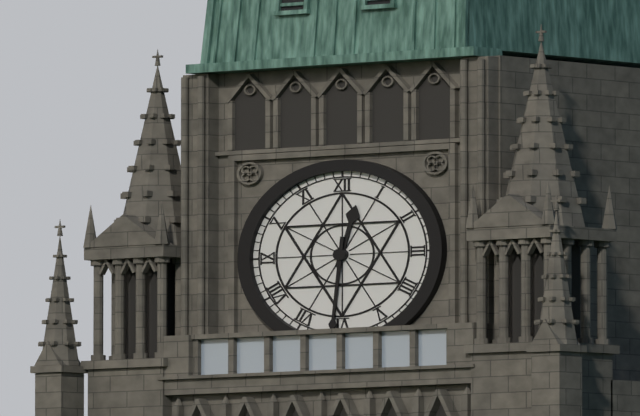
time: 12:31
